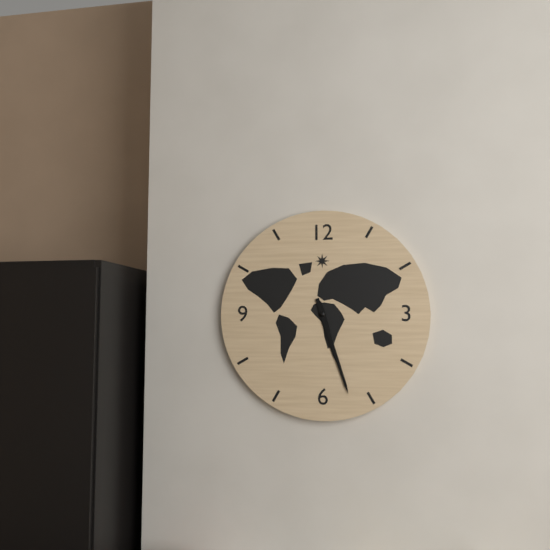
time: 5:27
